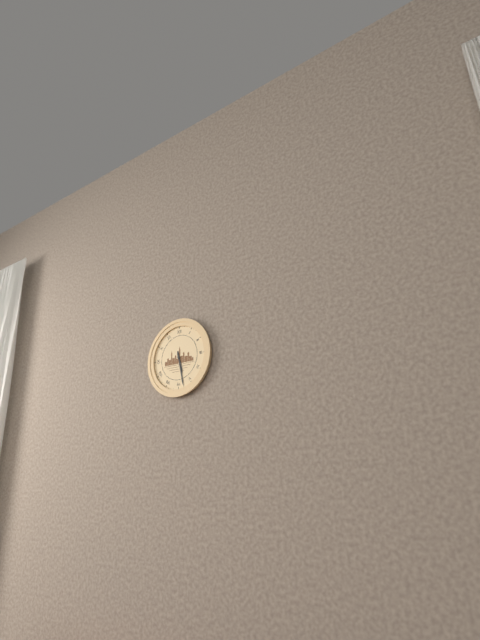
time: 5:28
